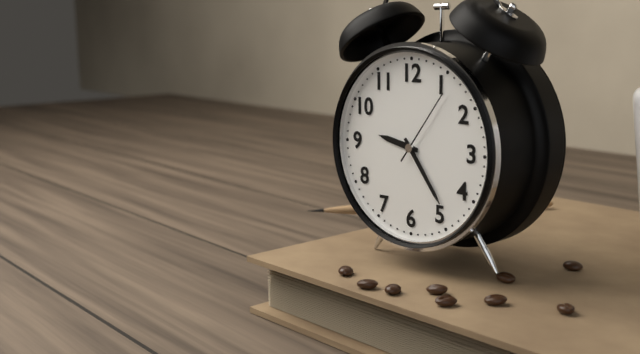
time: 9:24:06
